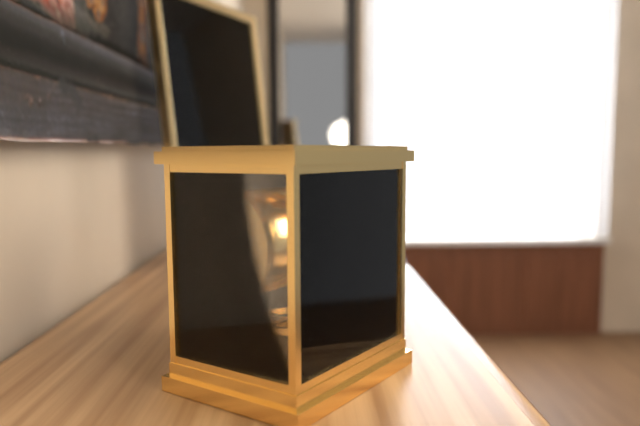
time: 10:32
